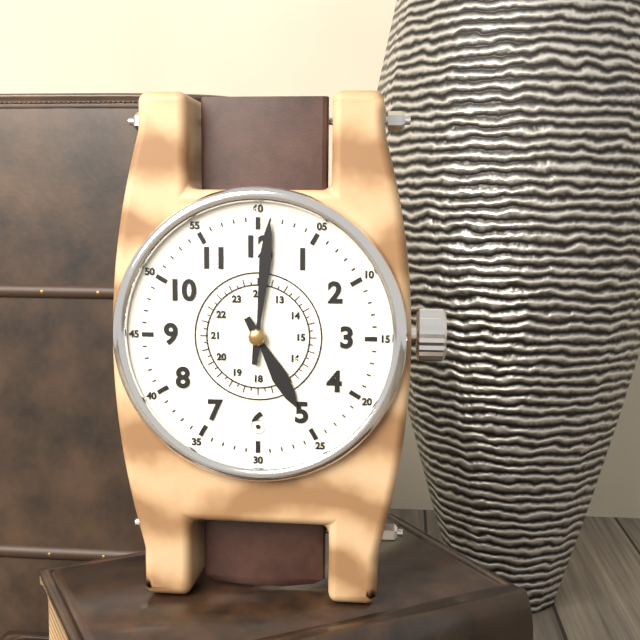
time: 5:01
